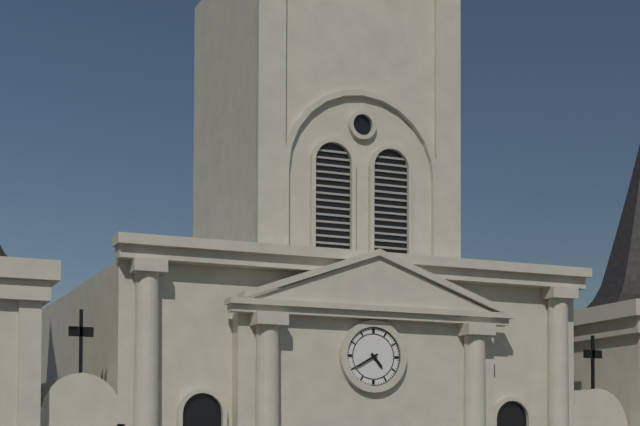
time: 4:40
